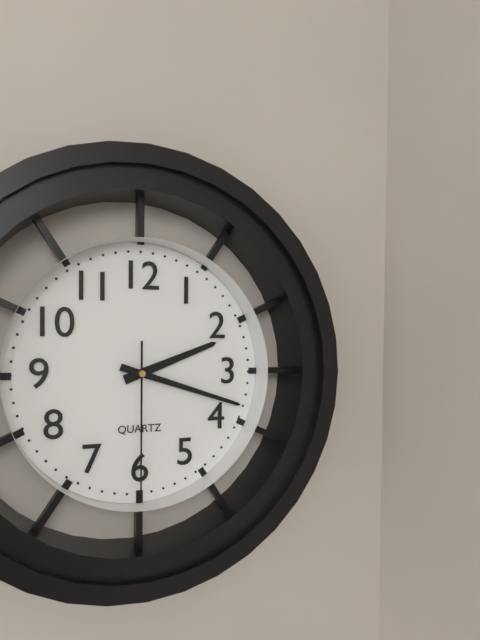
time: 2:18:30
